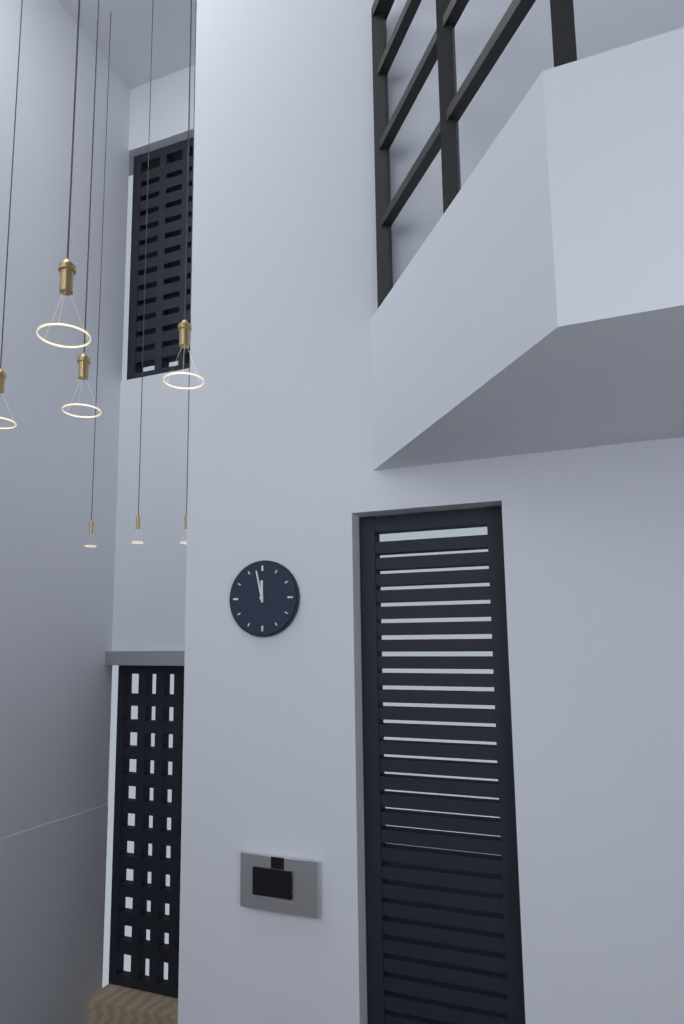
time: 11:58
